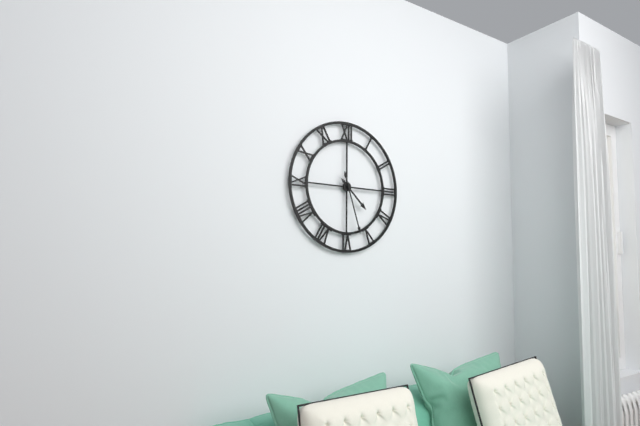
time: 4:27
